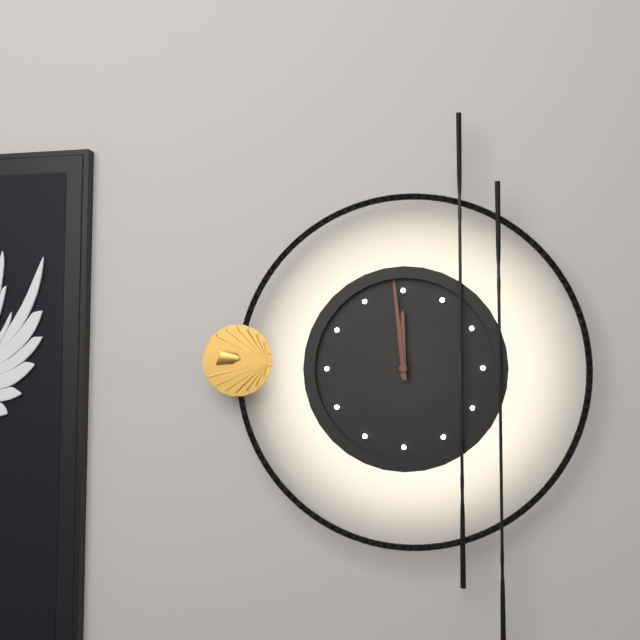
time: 11:59
